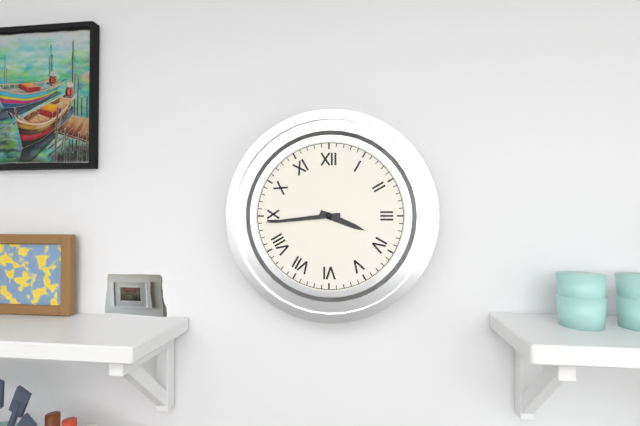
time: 3:44
